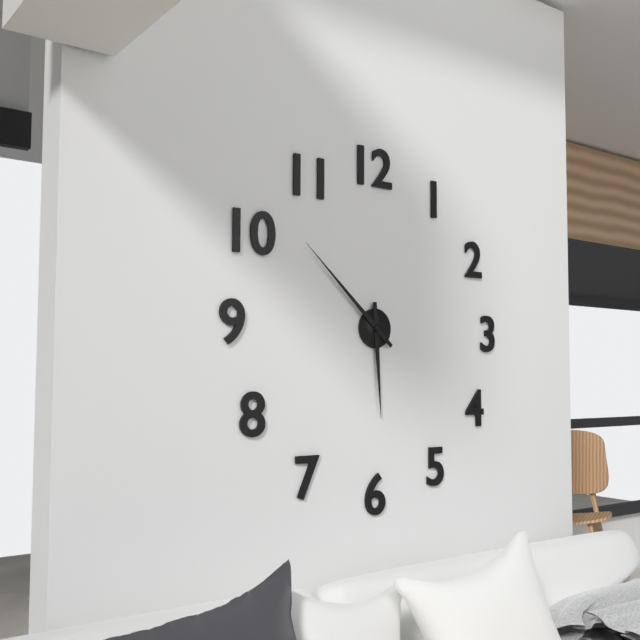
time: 5:52
